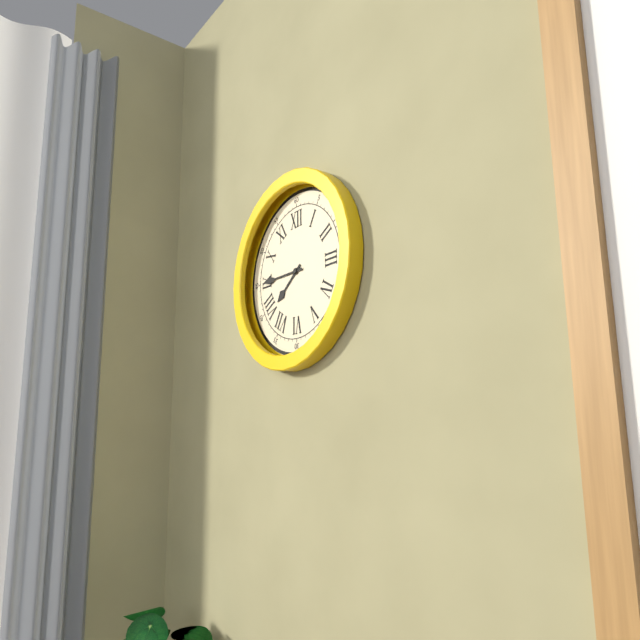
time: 7:45
